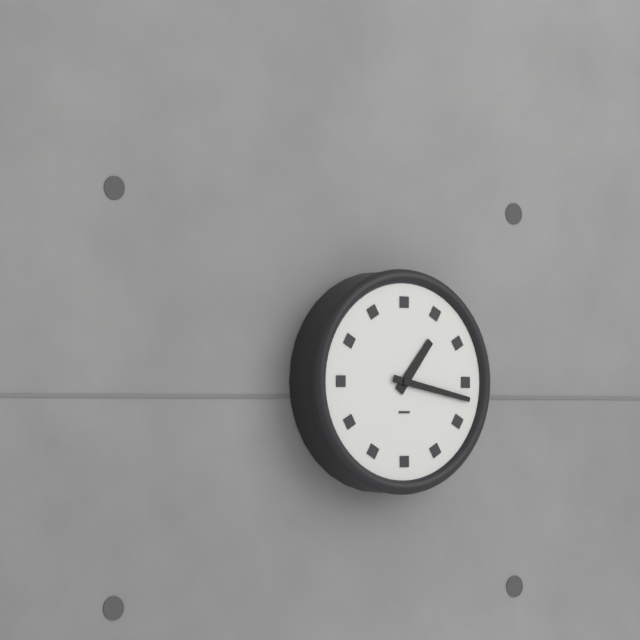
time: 1:17
